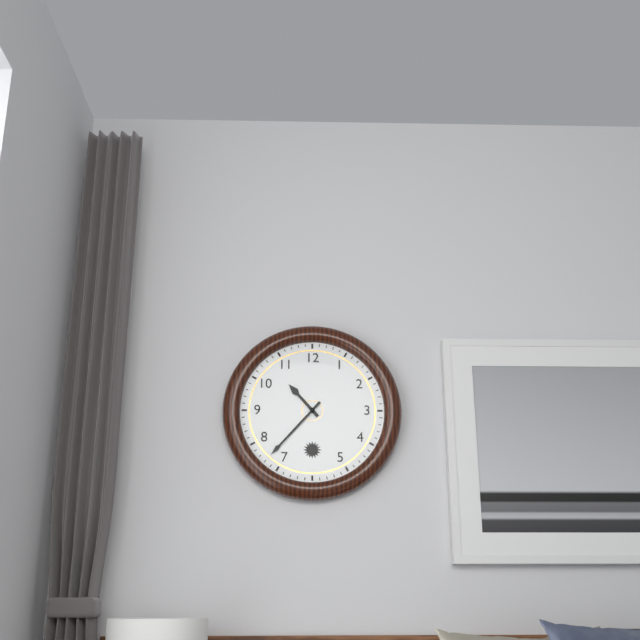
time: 10:37
